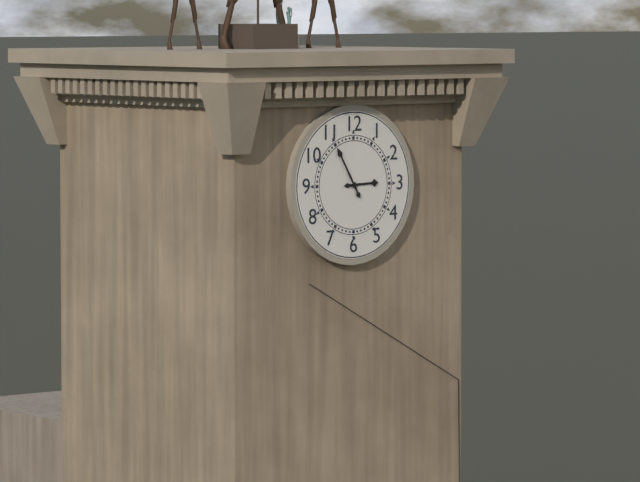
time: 2:55
